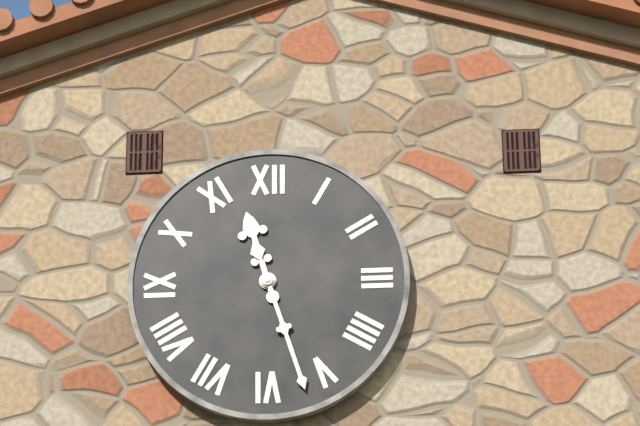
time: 11:27
